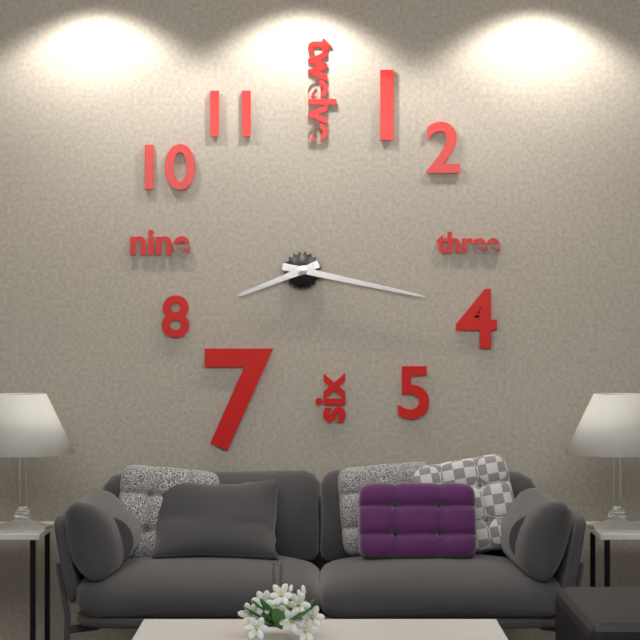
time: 8:17
